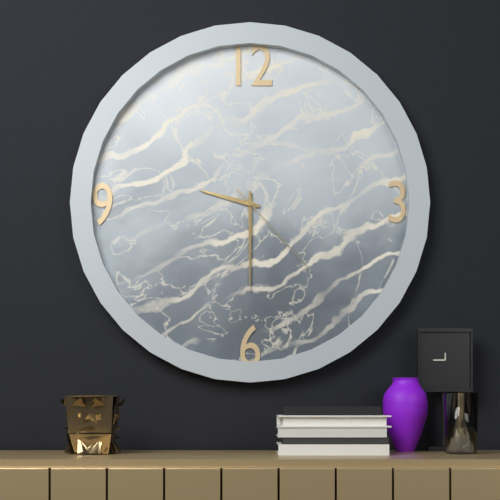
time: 9:30:23
